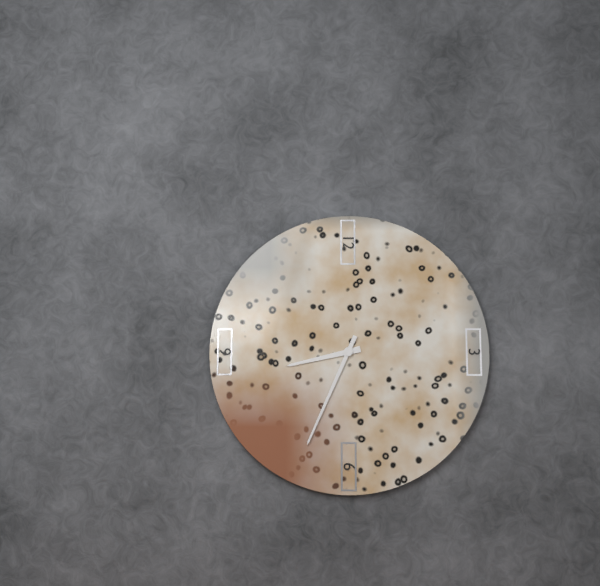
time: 8:34
